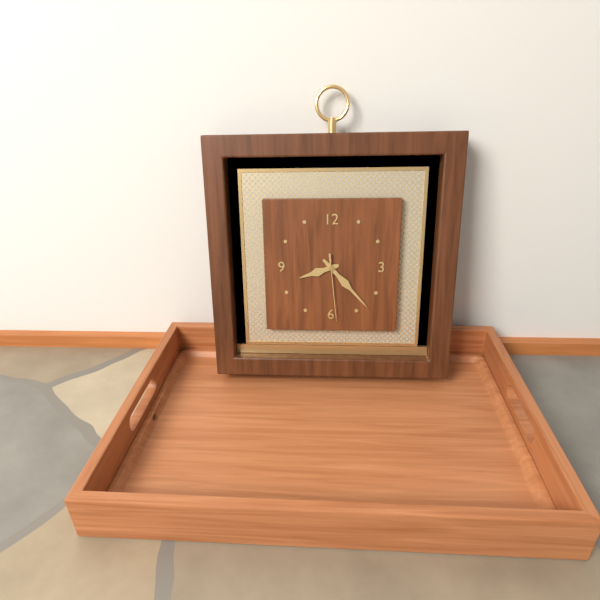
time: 8:23:29
